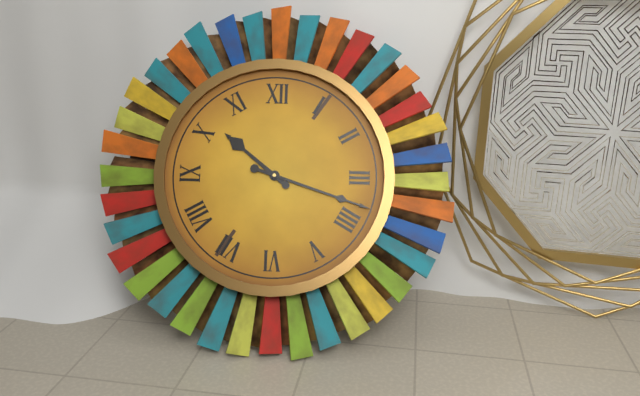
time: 10:18
